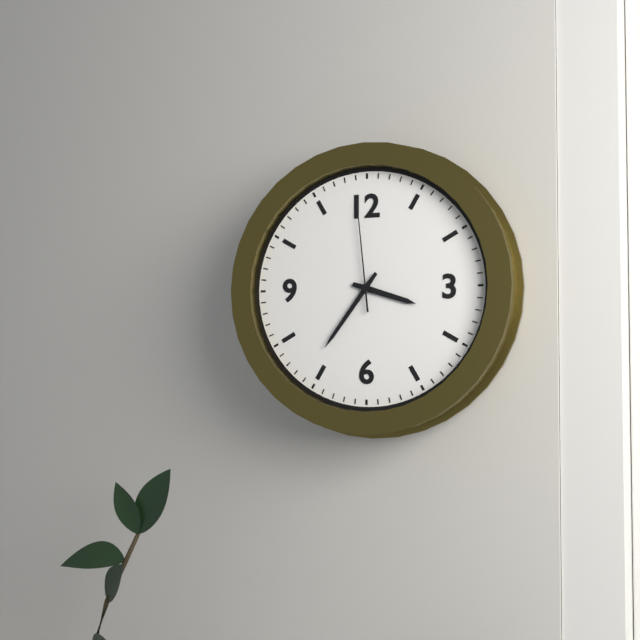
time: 3:36:59
